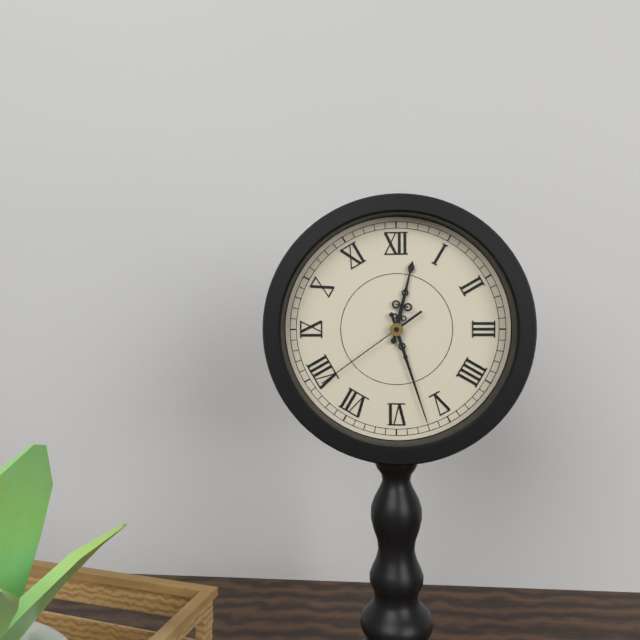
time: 12:27:39
